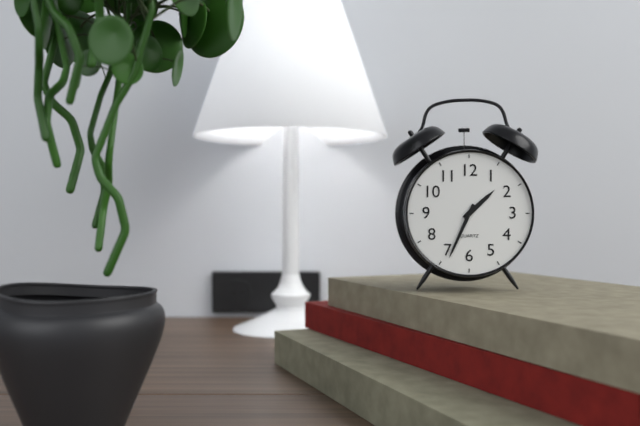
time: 1:34
